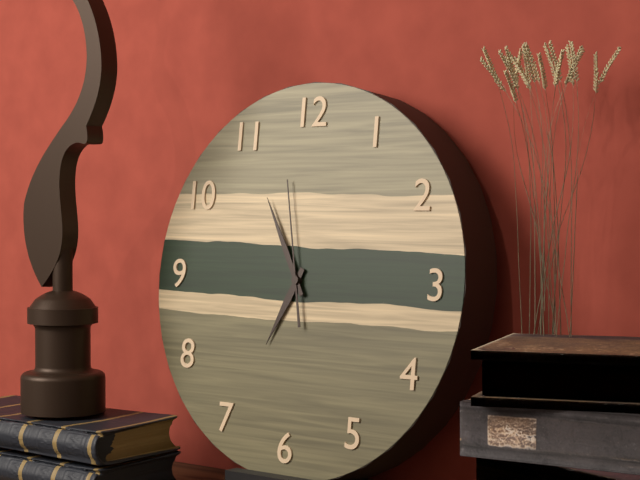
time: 6:55:58
